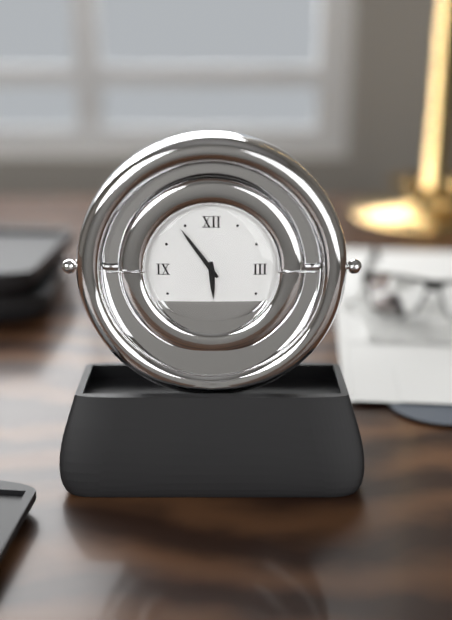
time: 5:54
